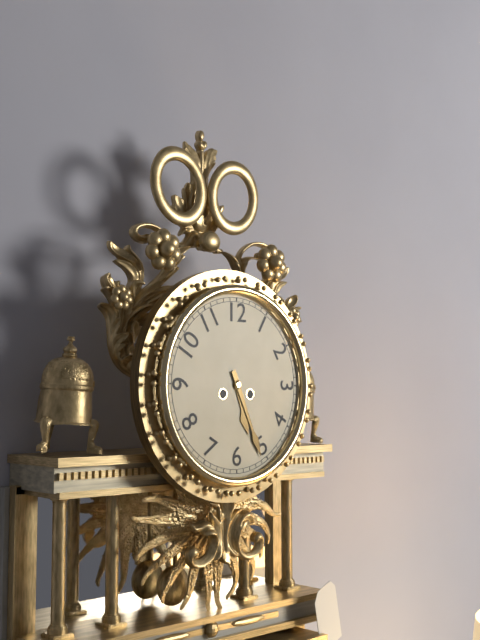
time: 5:26
